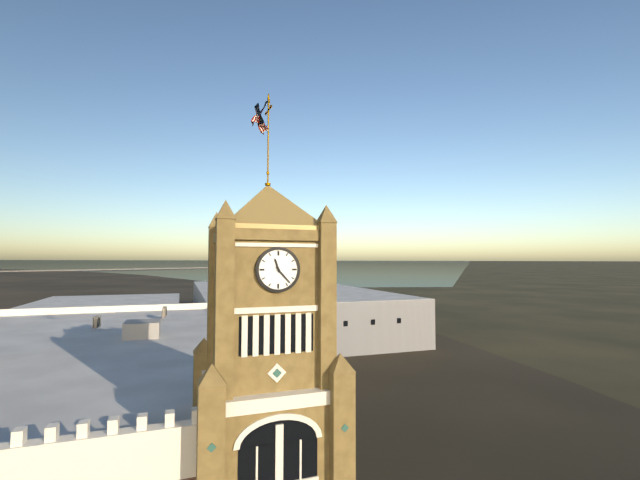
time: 11:23
